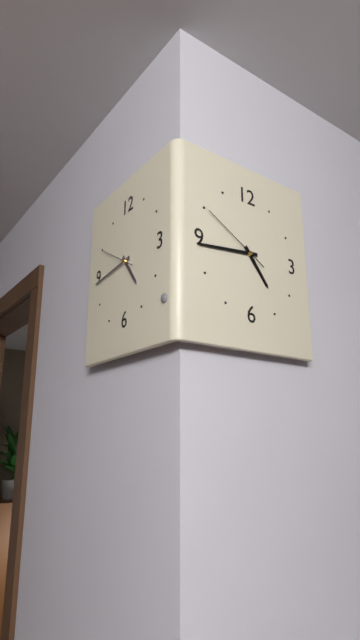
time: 4:44:50
